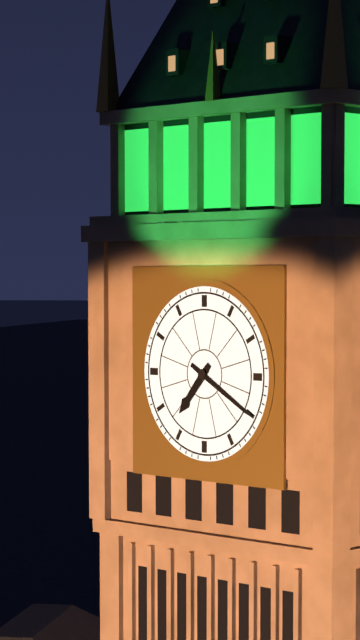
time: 7:20
